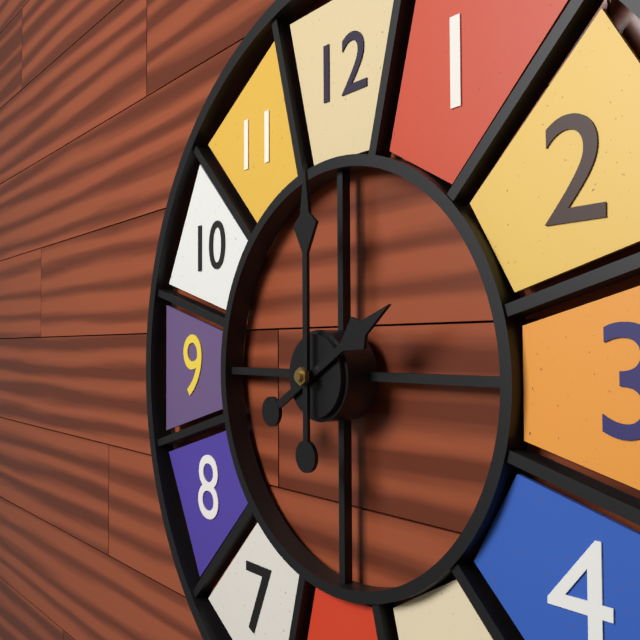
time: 2:00
